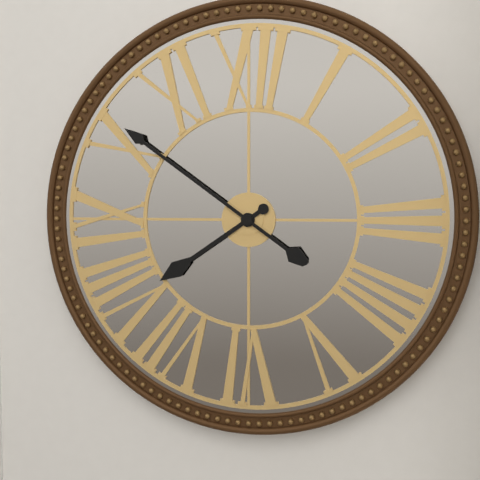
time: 7:51
